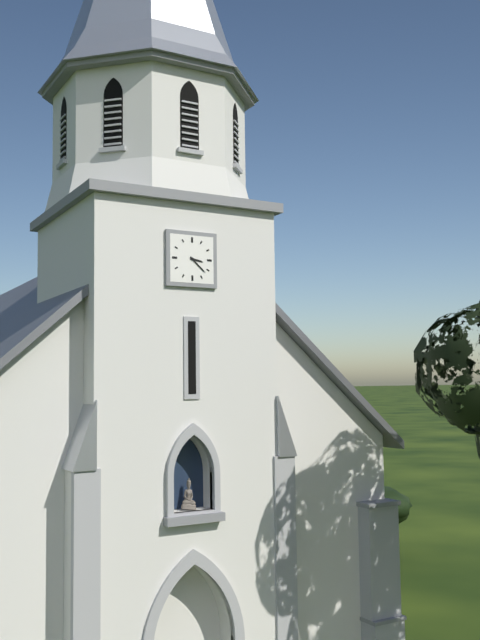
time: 3:22
